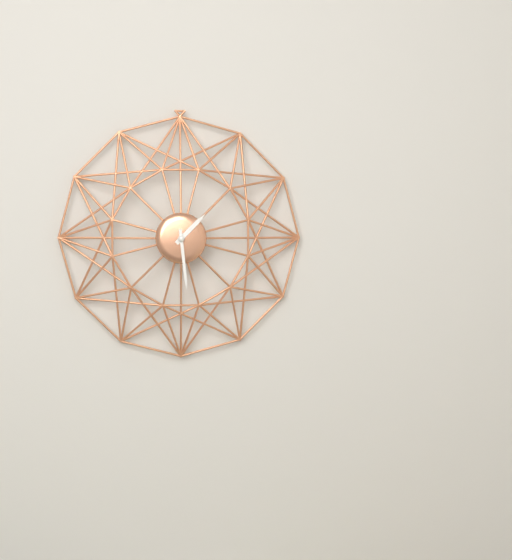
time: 1:29
